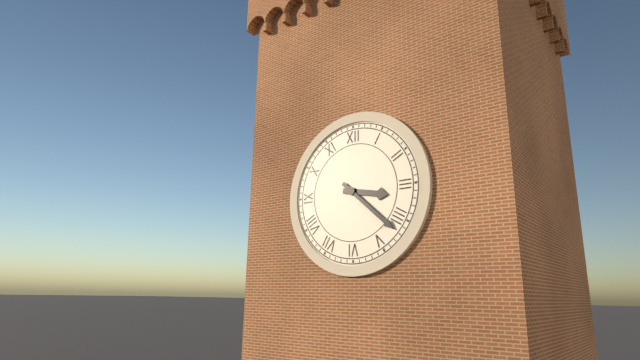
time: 3:22
